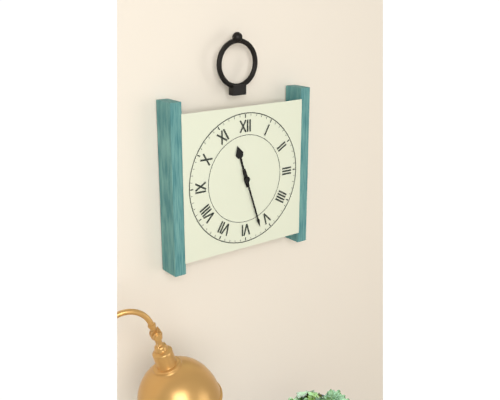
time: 11:27
